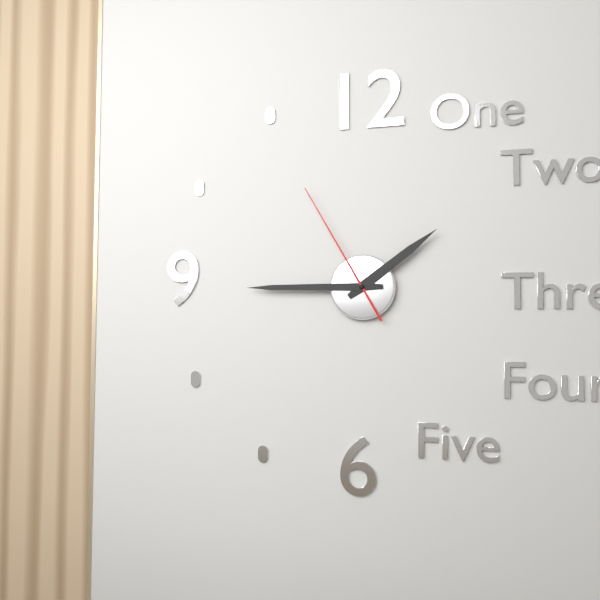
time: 1:45:55
